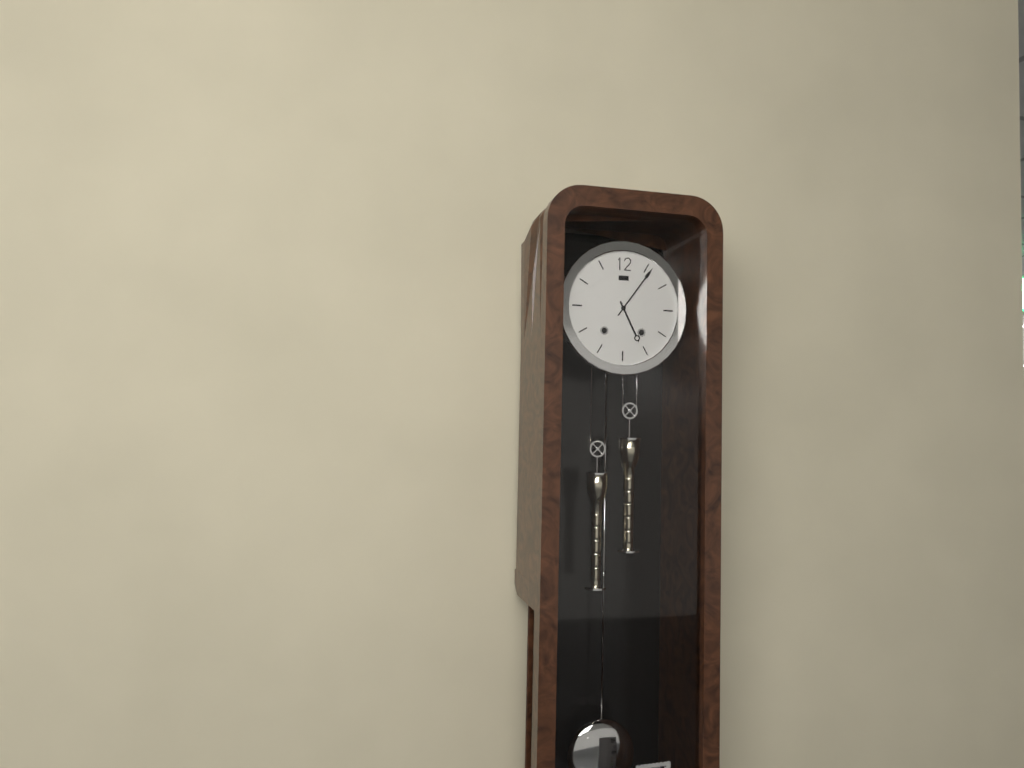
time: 5:06
